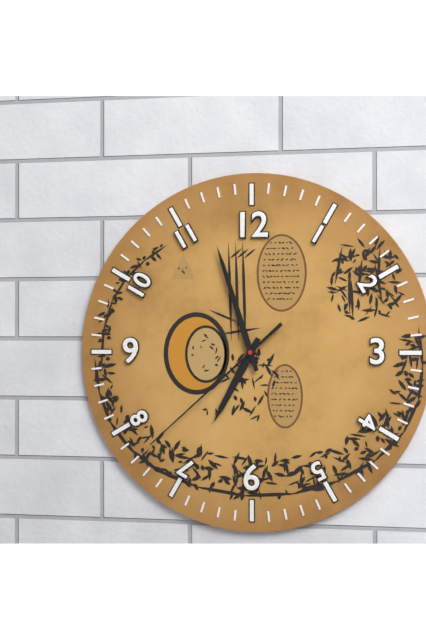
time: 6:57:38
